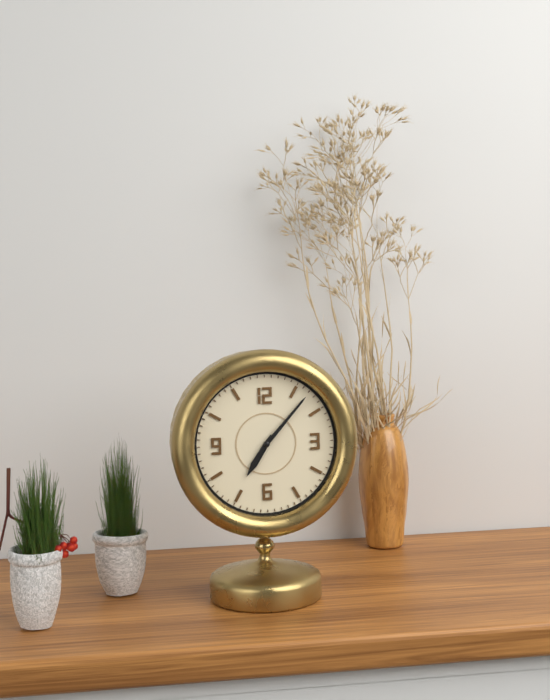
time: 7:07
